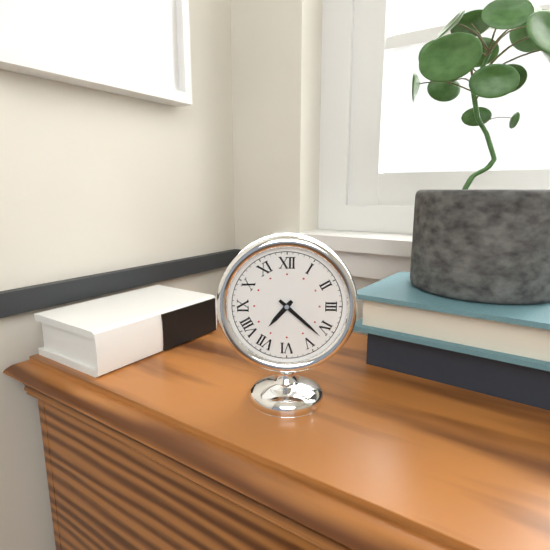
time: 7:22
